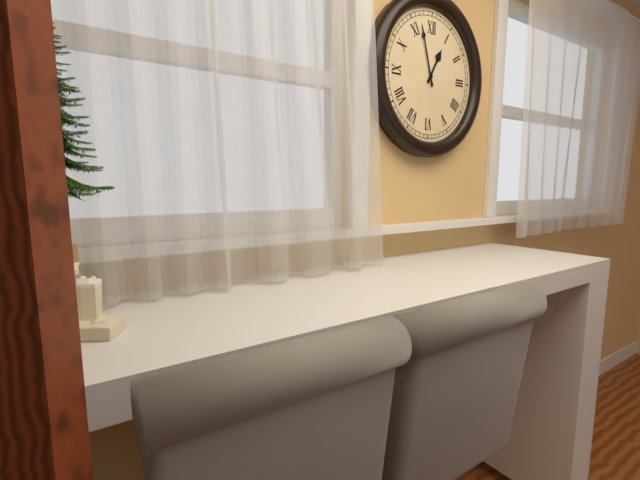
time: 12:57
